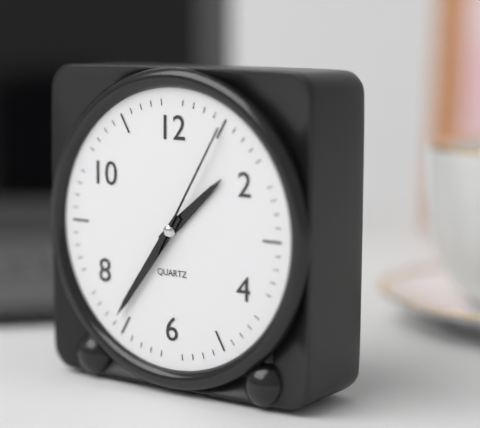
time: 1:36:05
